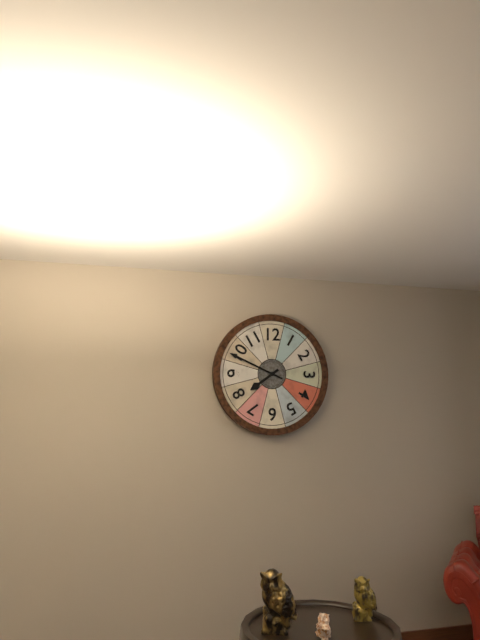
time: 7:49
